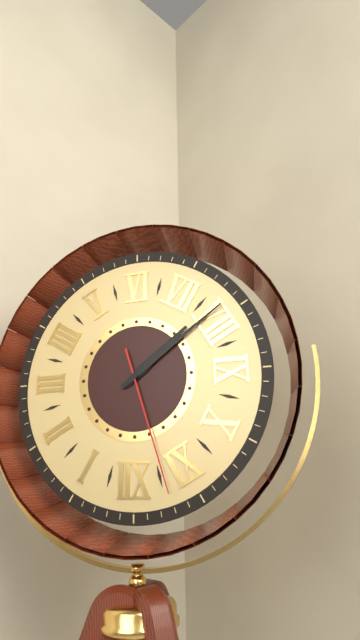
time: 7:39:57
